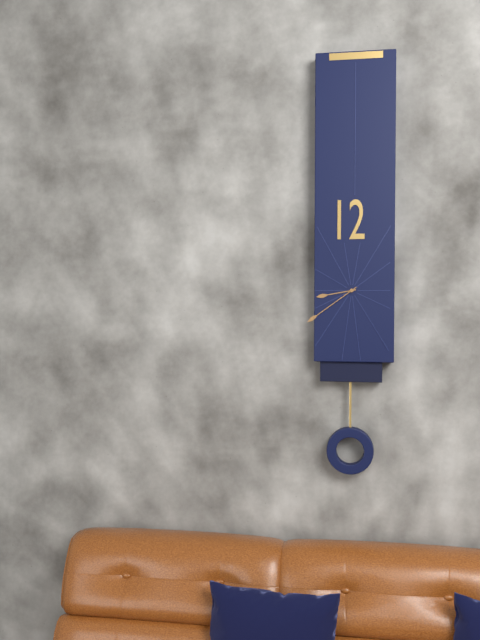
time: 8:39
